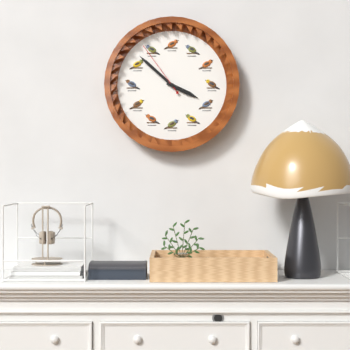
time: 3:52:54
